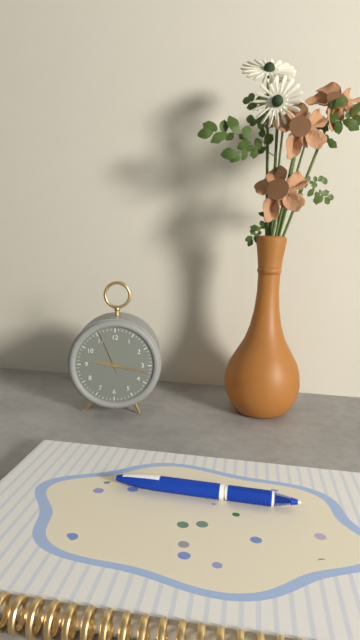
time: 9:17
